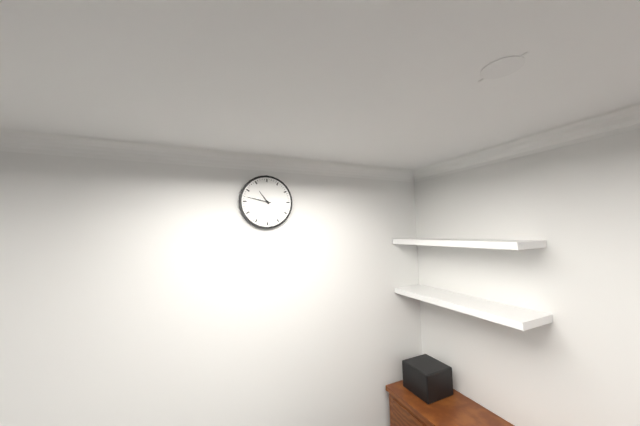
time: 10:47
